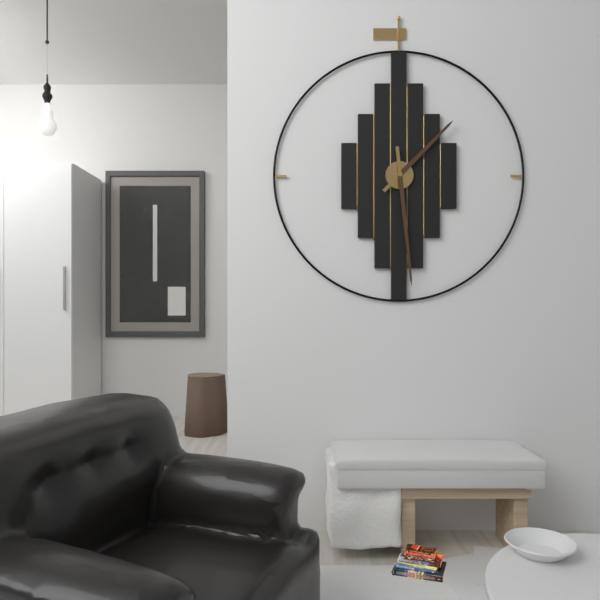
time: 1:29
